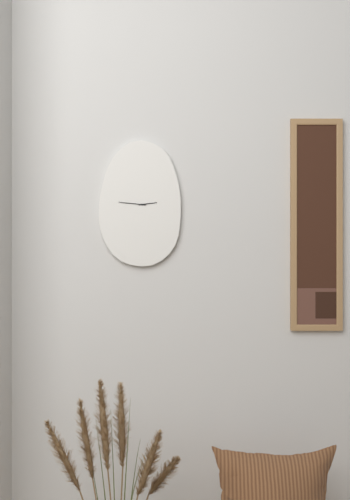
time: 2:46
